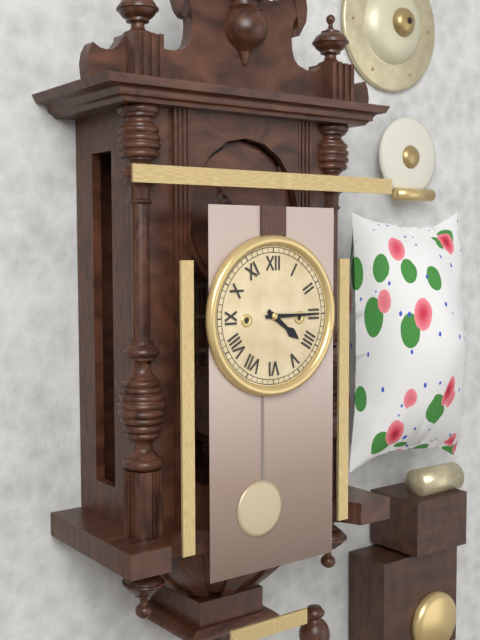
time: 4:15
